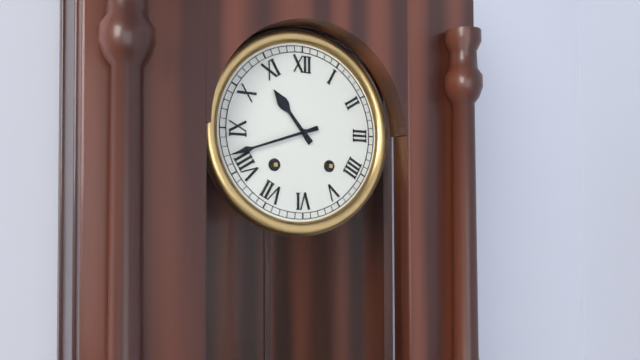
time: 10:42
